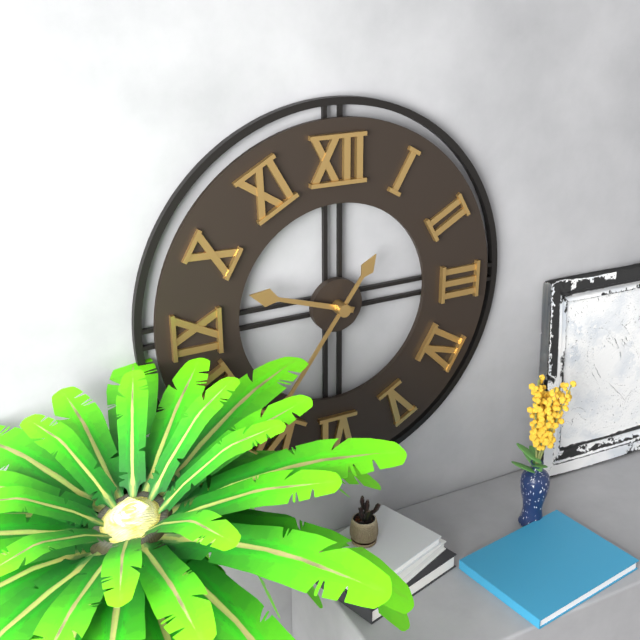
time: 9:36
